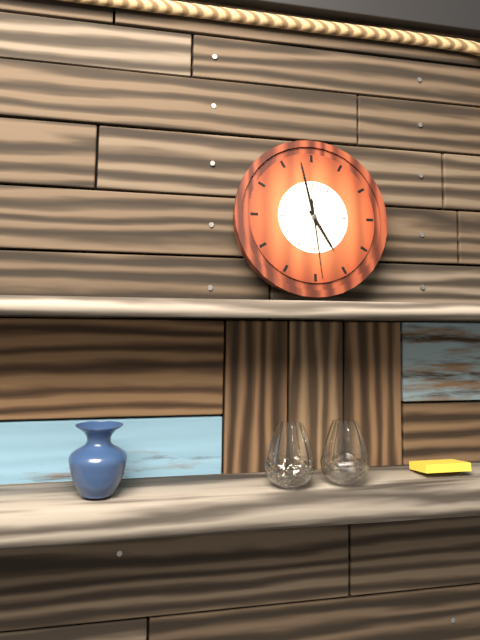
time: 4:58:29
